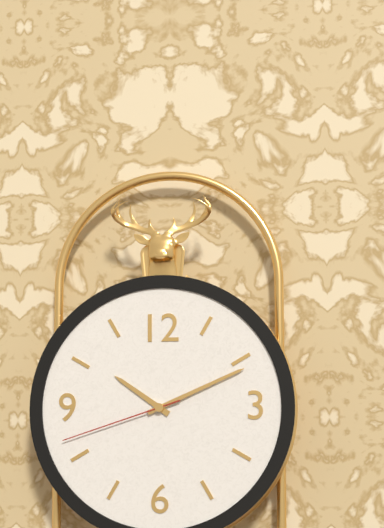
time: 10:11:42
